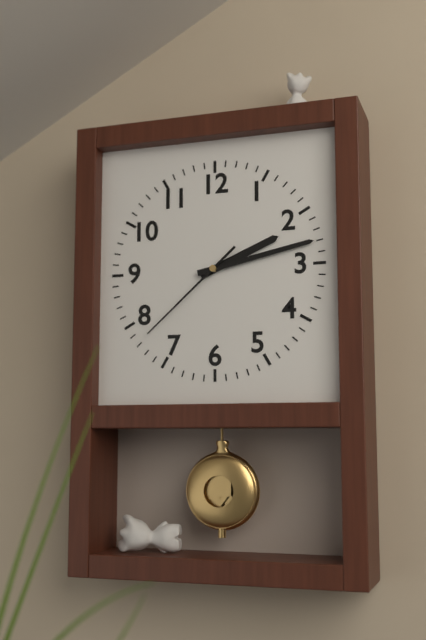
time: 2:13:38
